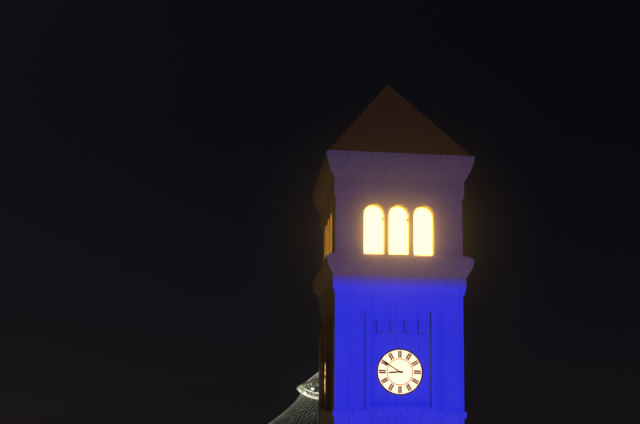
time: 8:50
